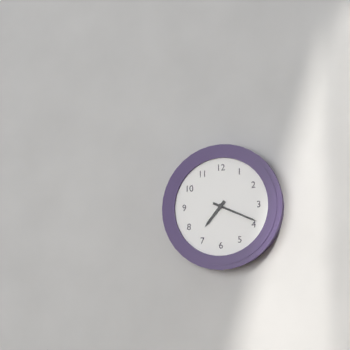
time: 7:19
